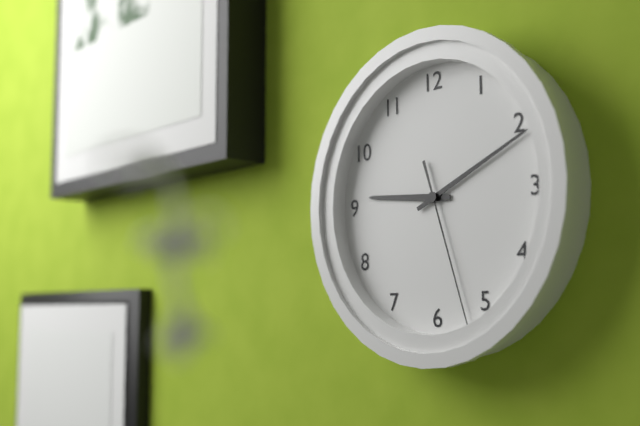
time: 9:11:27
